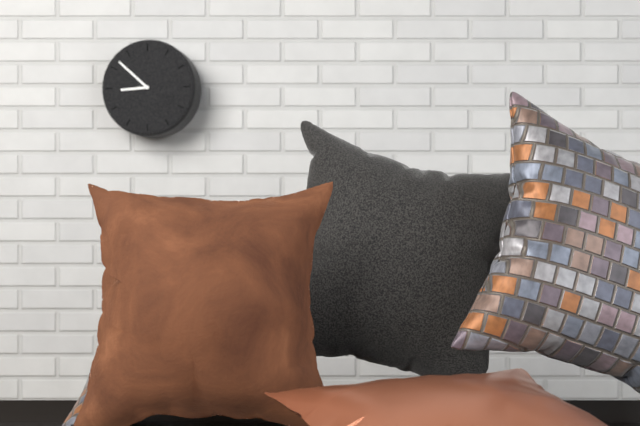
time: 8:52
